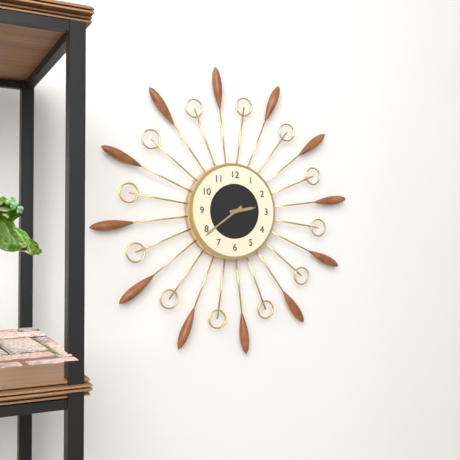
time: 2:39
